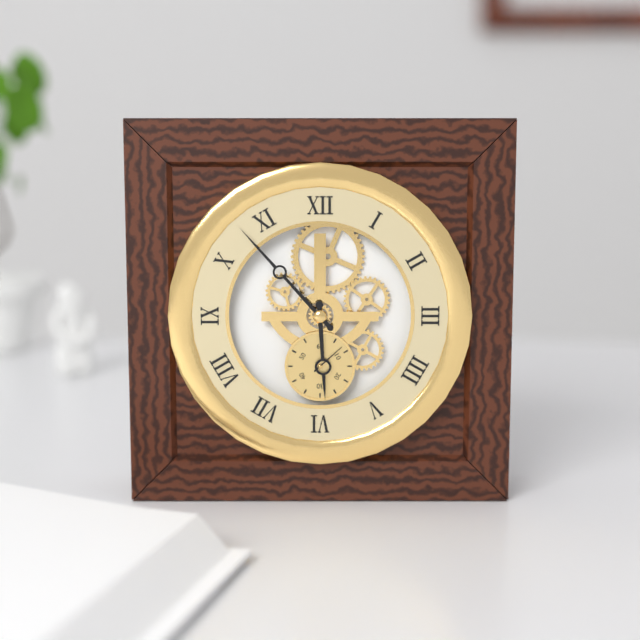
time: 5:53
